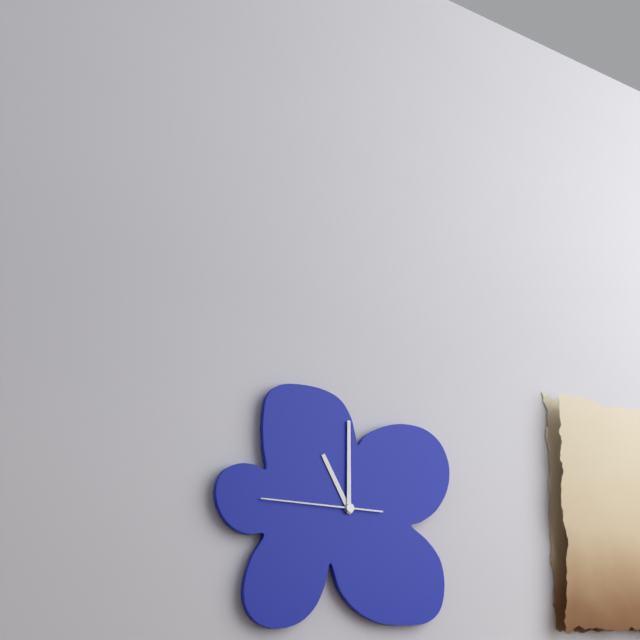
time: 11:00:45
